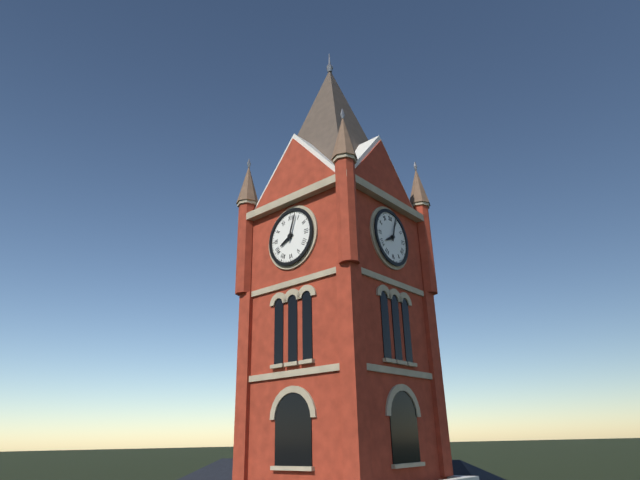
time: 8:03
